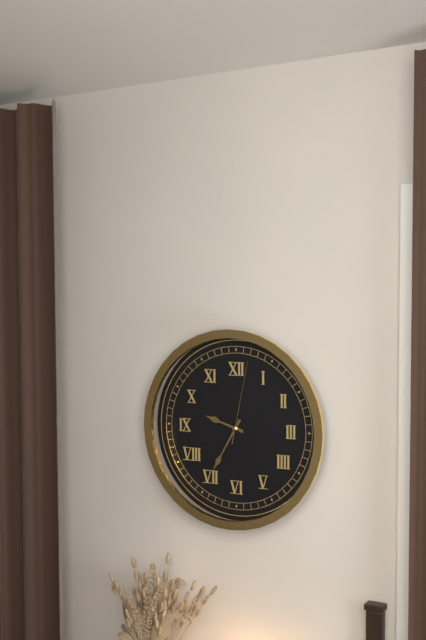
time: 9:35:02
